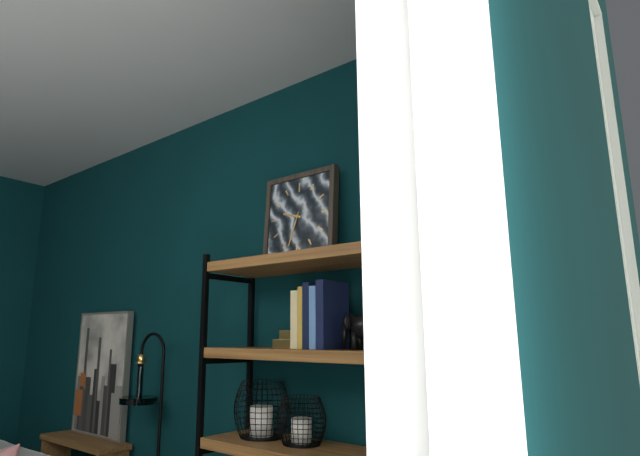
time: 9:33
